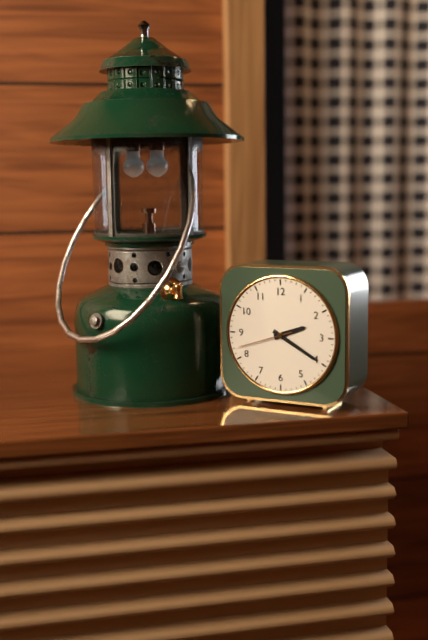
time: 2:20:42
